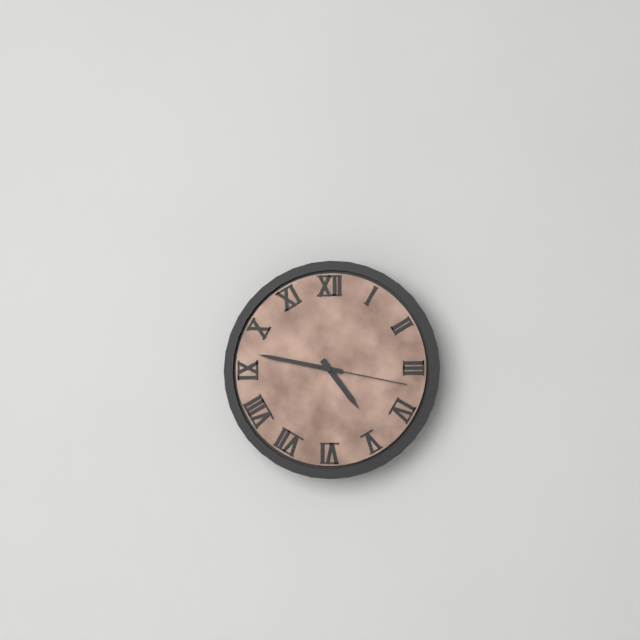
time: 4:47:17
